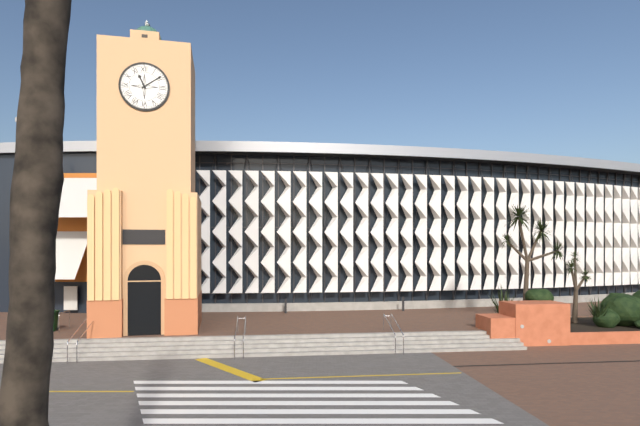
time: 11:09
